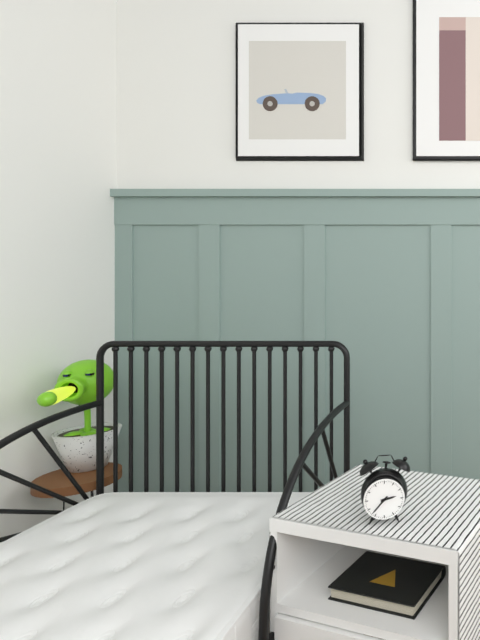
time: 2:37
